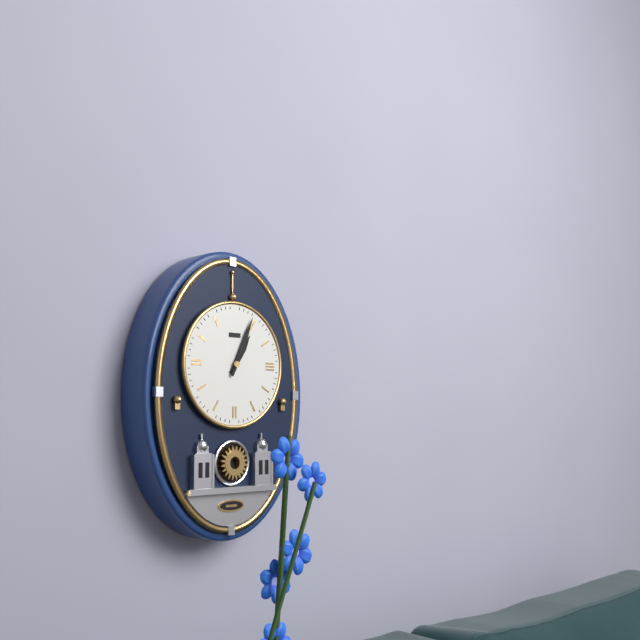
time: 1:04
